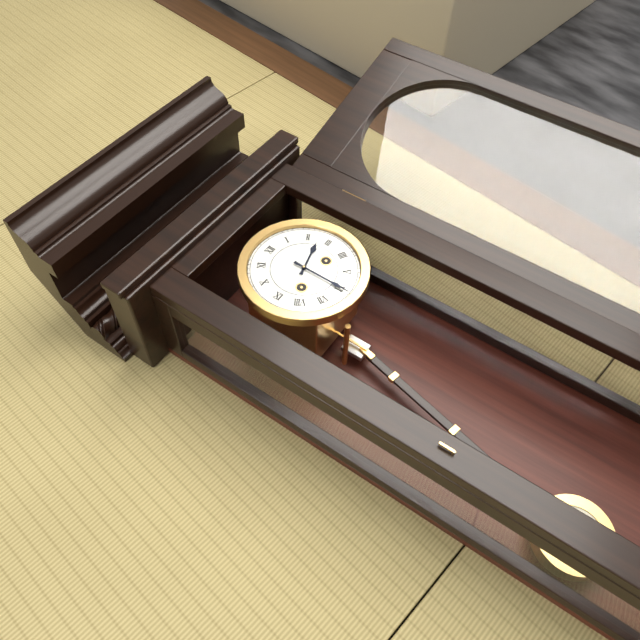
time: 2:30
